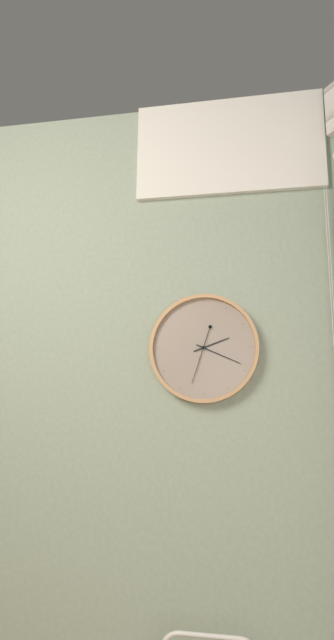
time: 2:19
